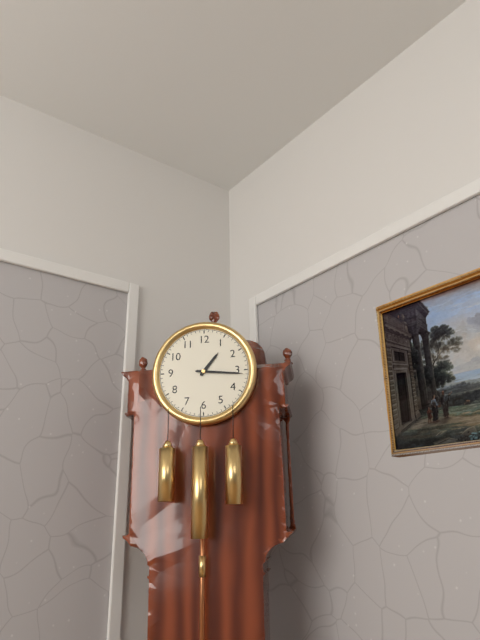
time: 1:16
